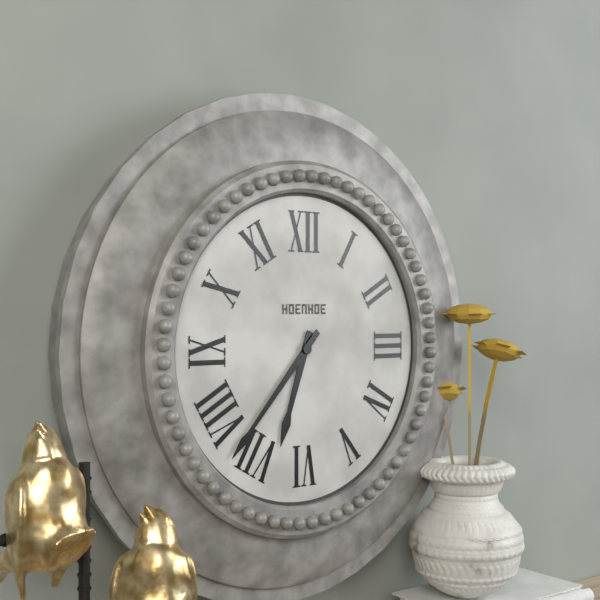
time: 6:37
